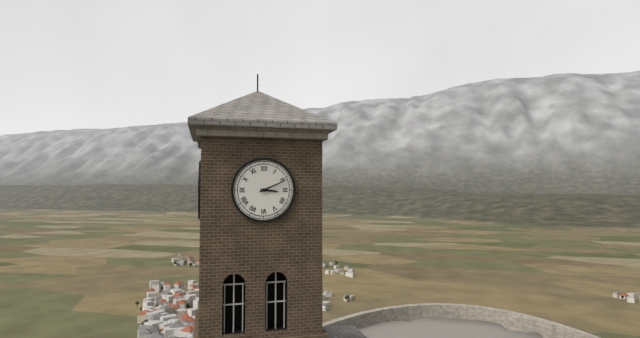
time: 3:11
